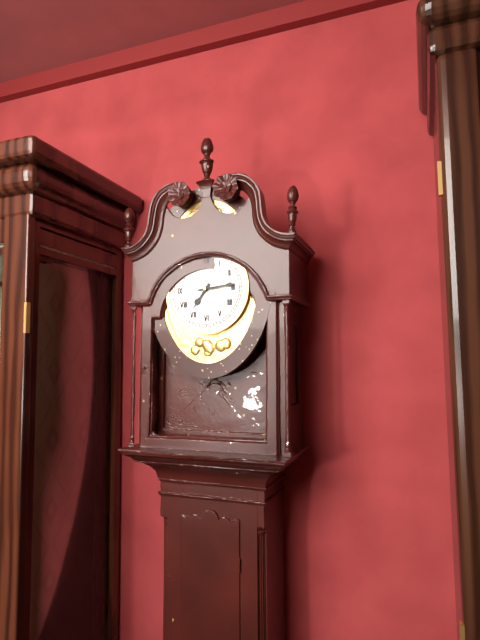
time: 7:14
